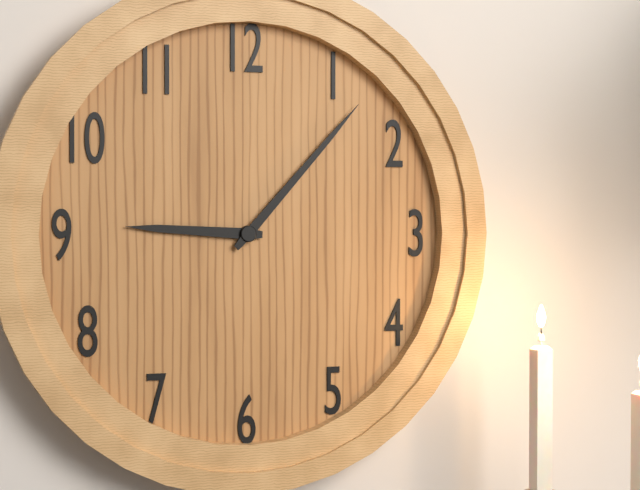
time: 9:07
